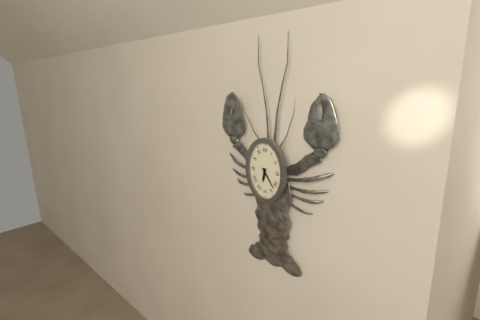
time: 6:24
